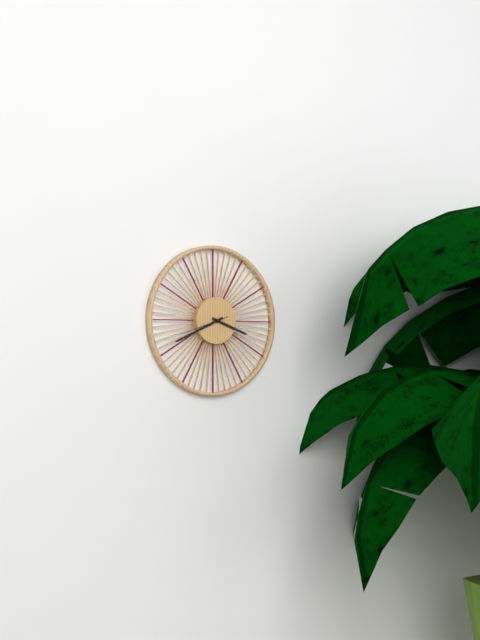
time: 3:41
